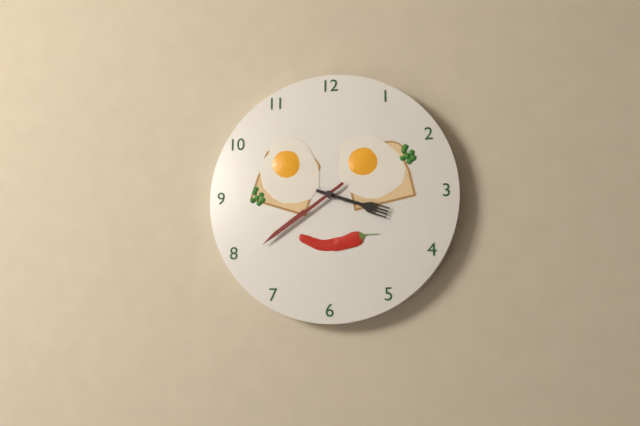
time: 3:39
